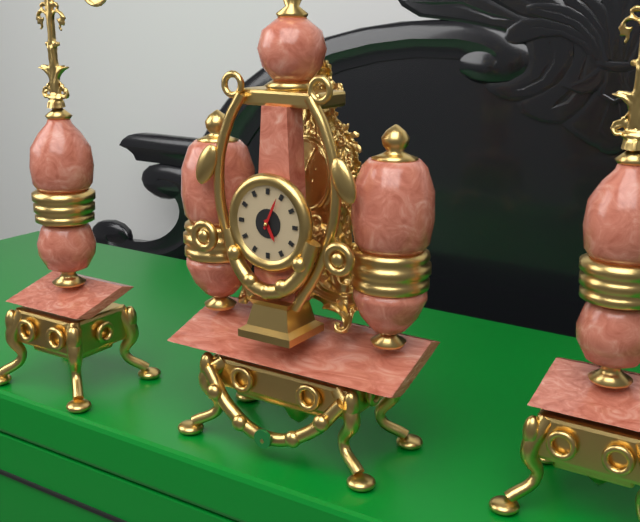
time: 5:04
